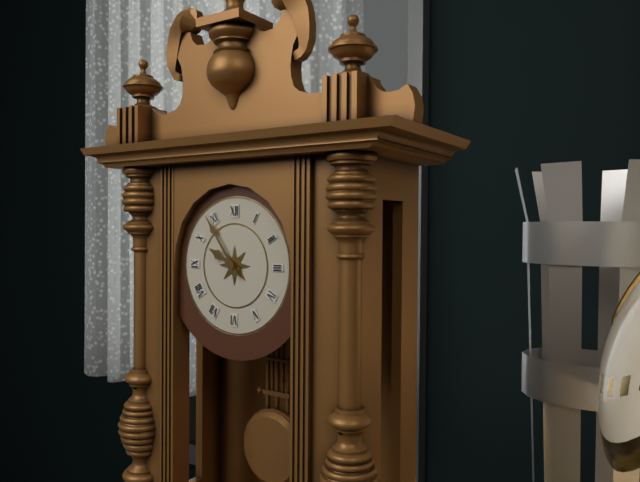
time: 9:54
